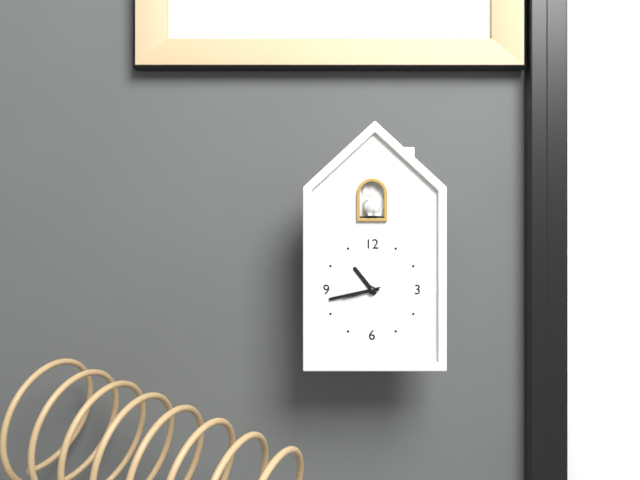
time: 10:43
